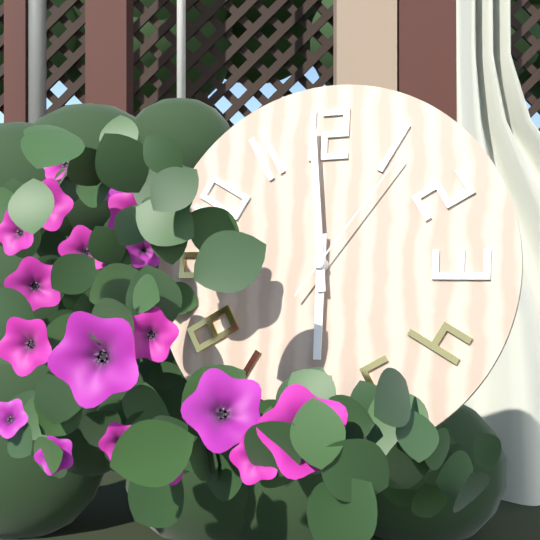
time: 5:59:06
